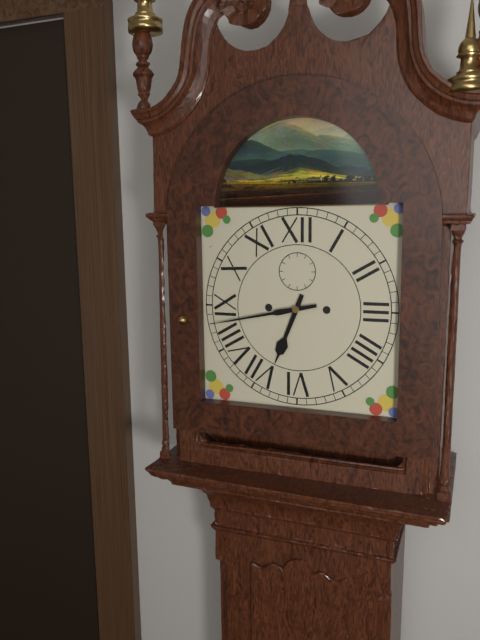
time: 6:43
